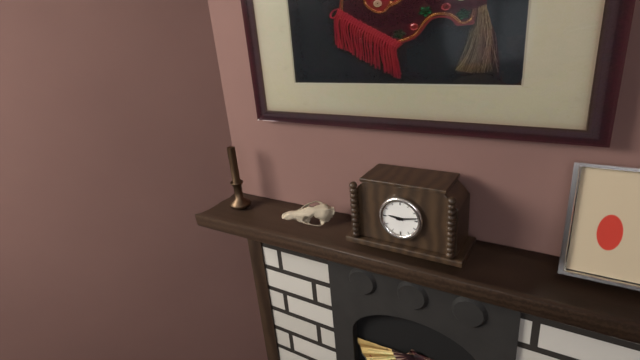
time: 9:13
